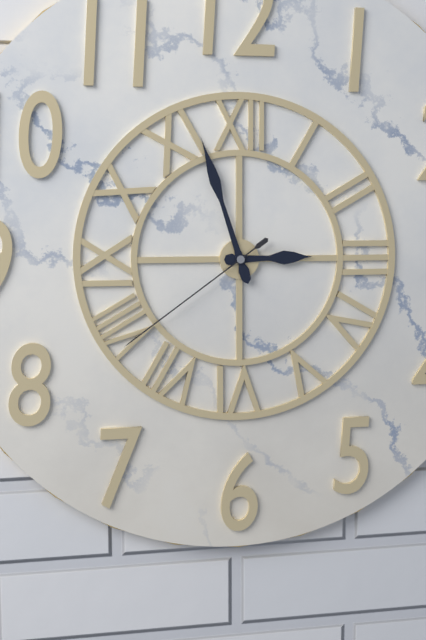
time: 2:57:39
